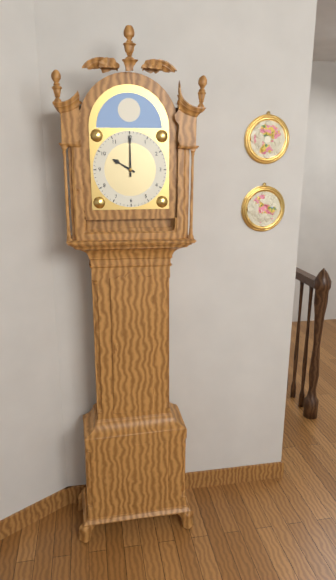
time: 10:00
